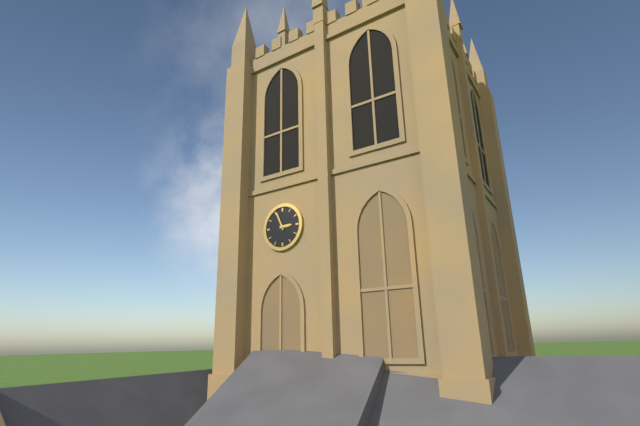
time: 2:56
